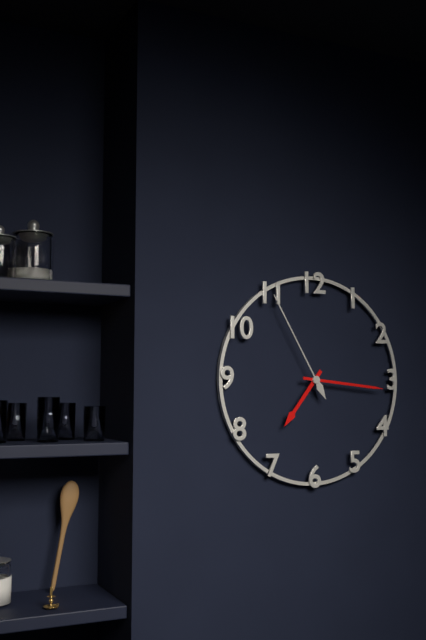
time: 7:16:55
